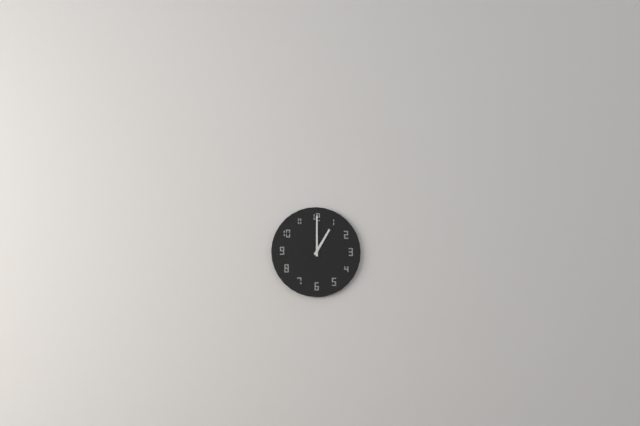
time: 1:00
